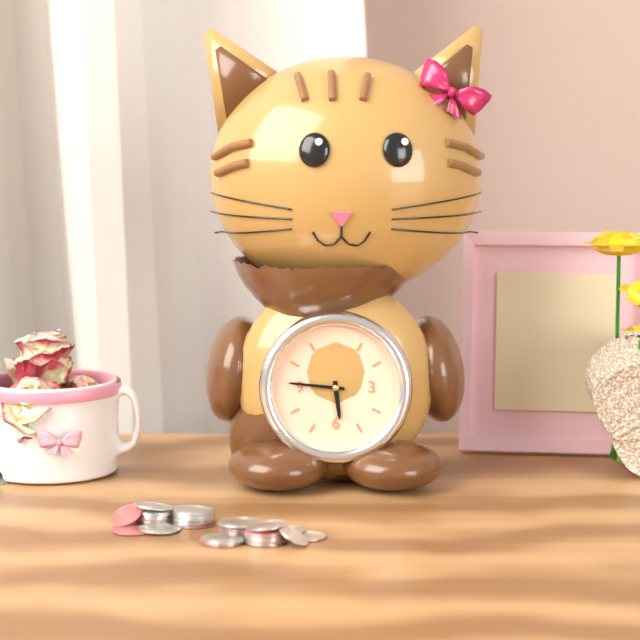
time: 5:46
